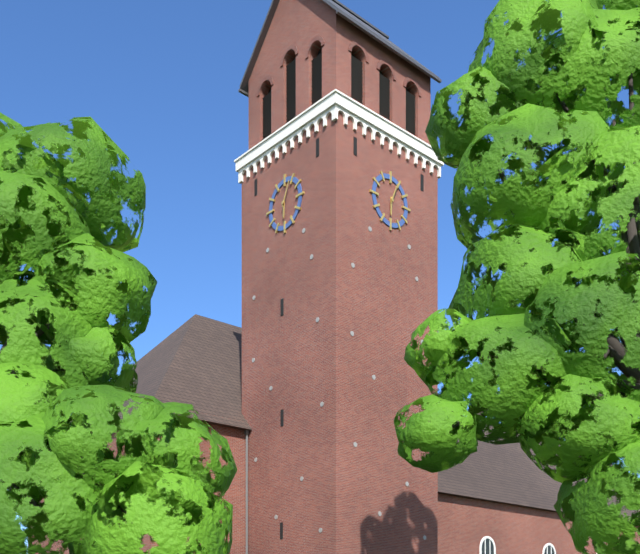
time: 6:04
